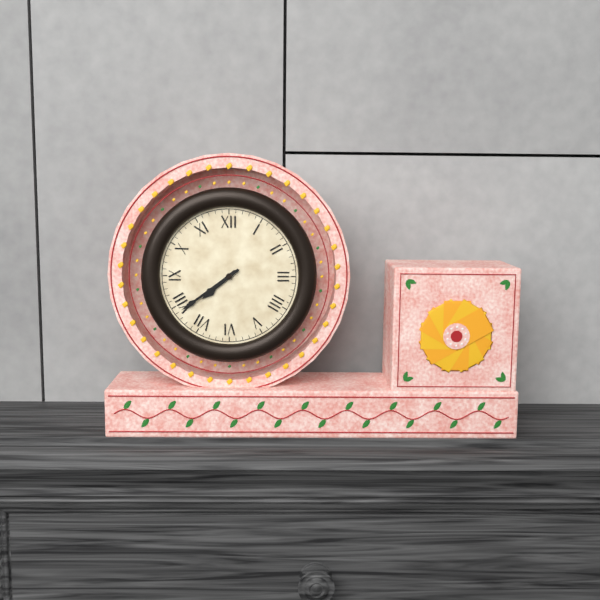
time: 7:39
